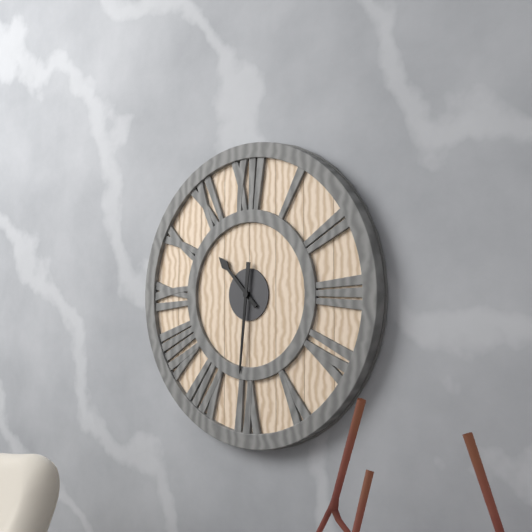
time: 10:31
